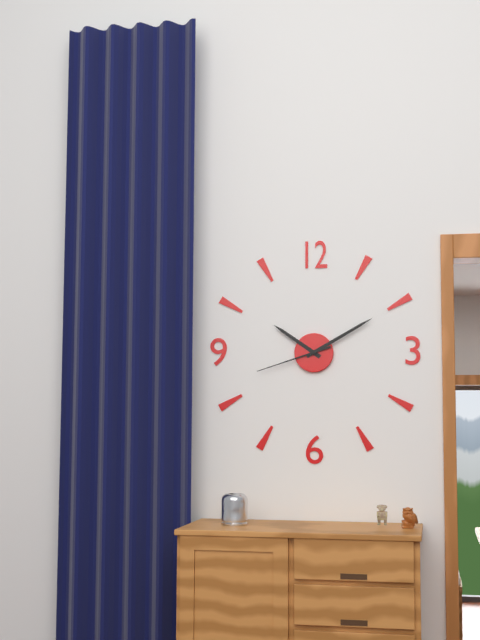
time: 10:10:42
